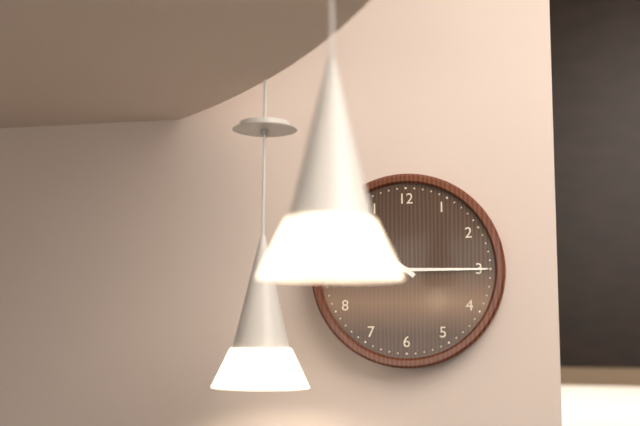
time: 10:15
